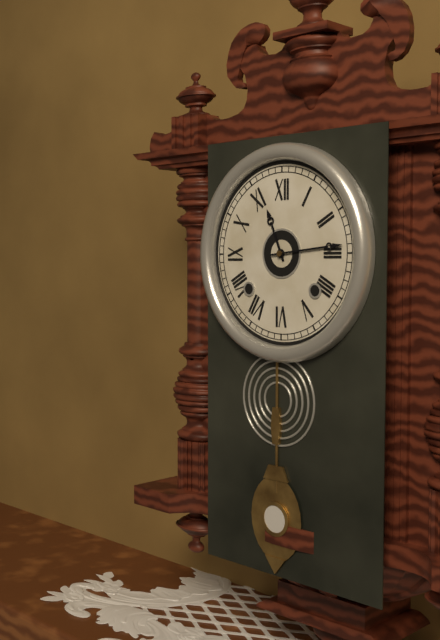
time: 11:14
